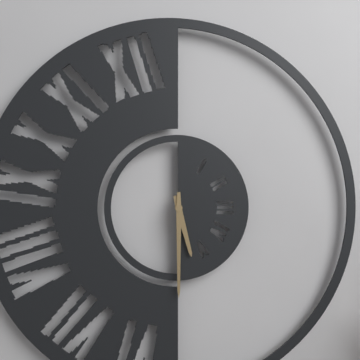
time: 5:30
